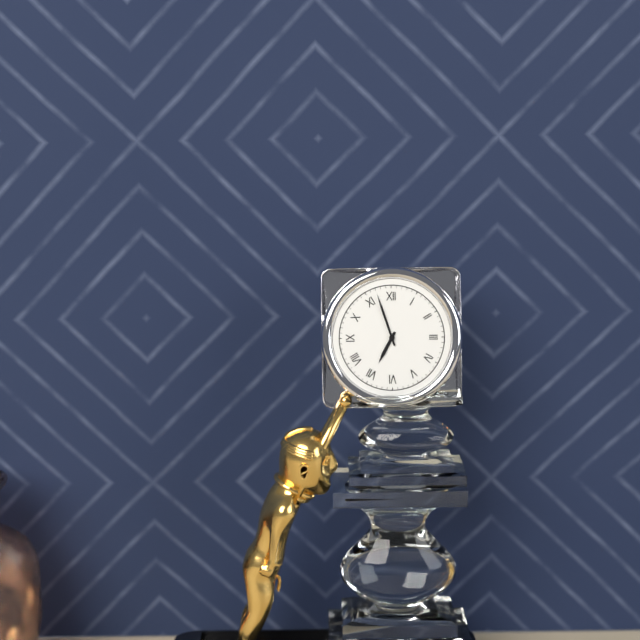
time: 6:57
